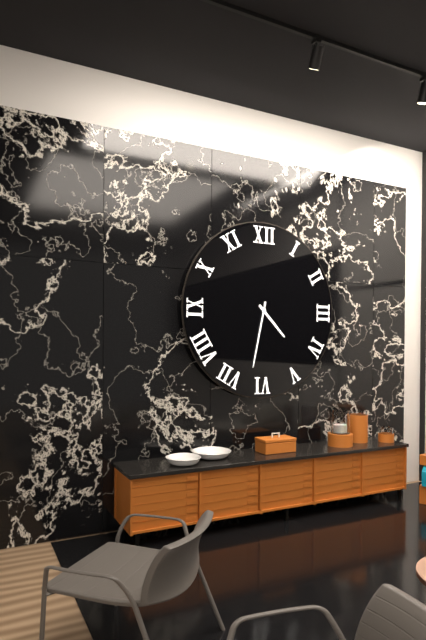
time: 4:32
